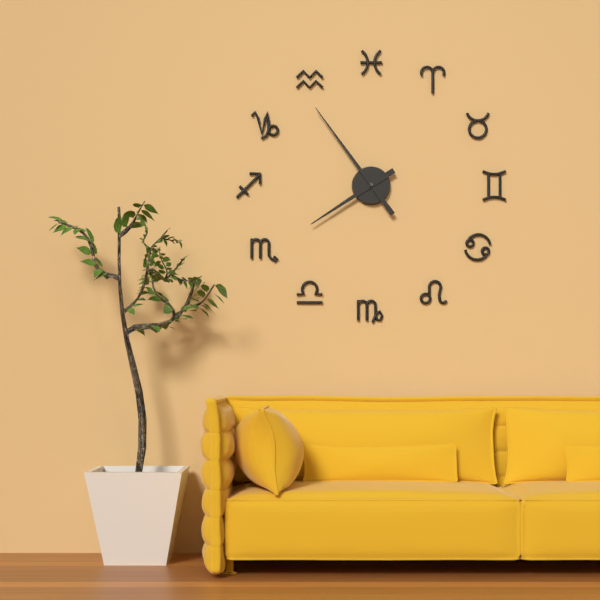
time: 7:54
